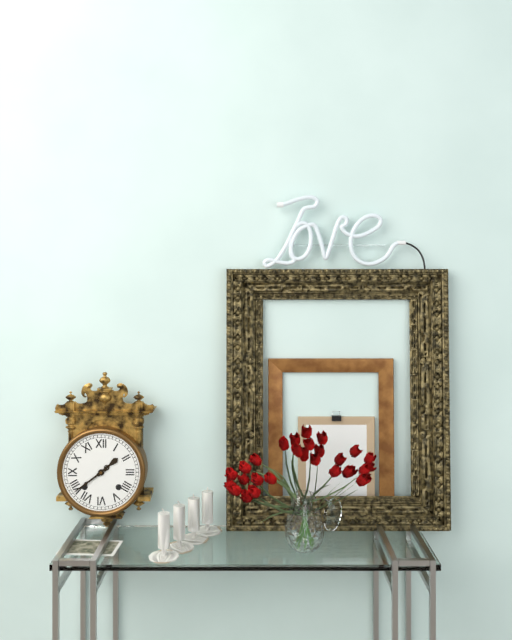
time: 1:39
